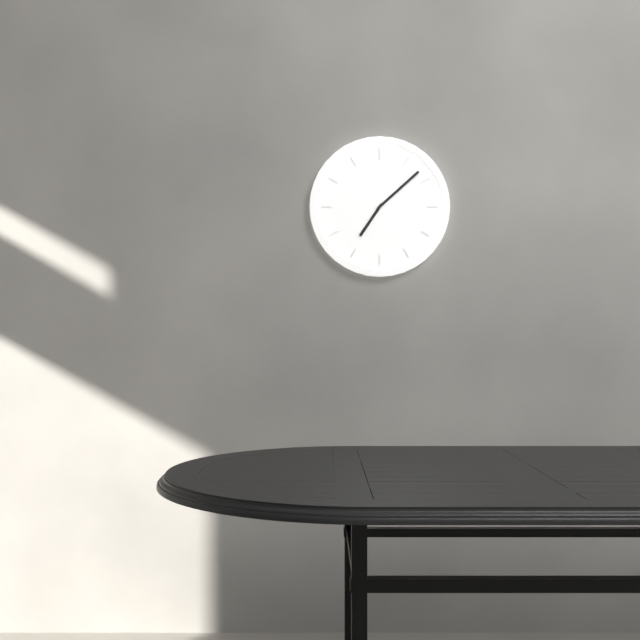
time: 7:08
